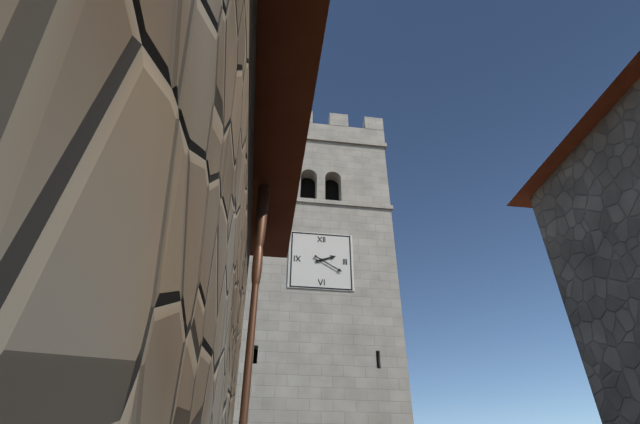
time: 2:20
